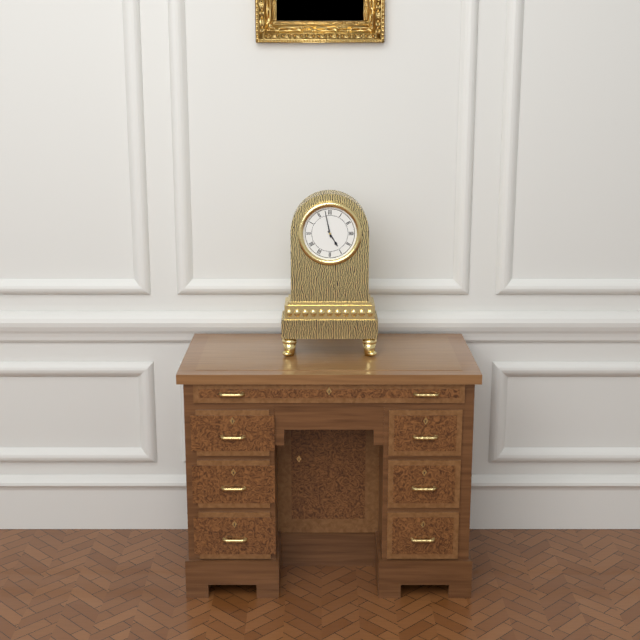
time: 4:58
